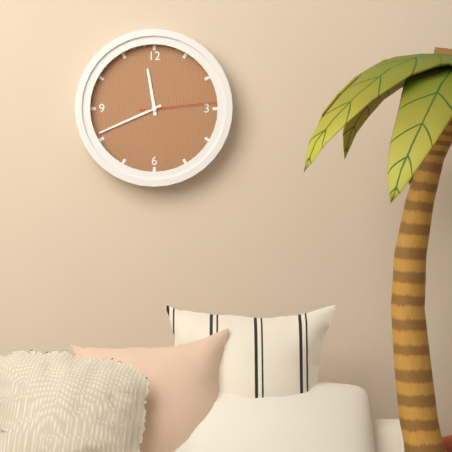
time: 11:41:14
